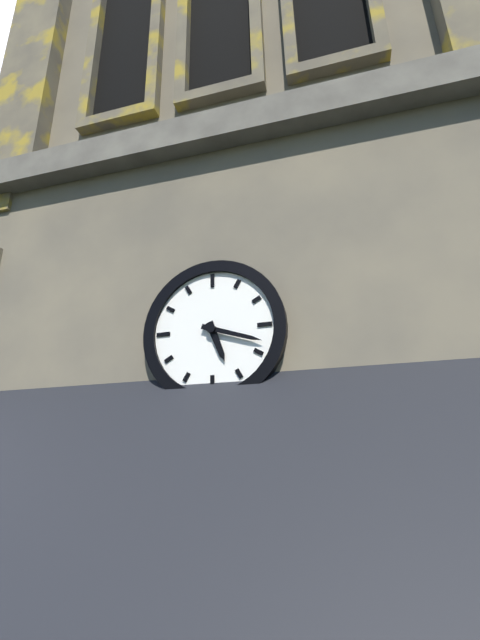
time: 5:18
